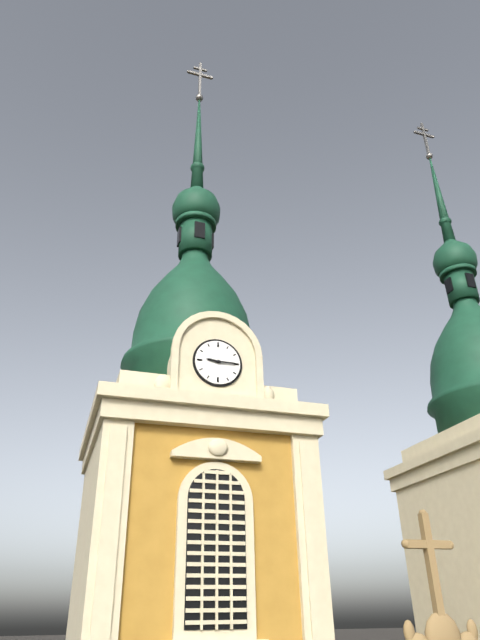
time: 9:15
